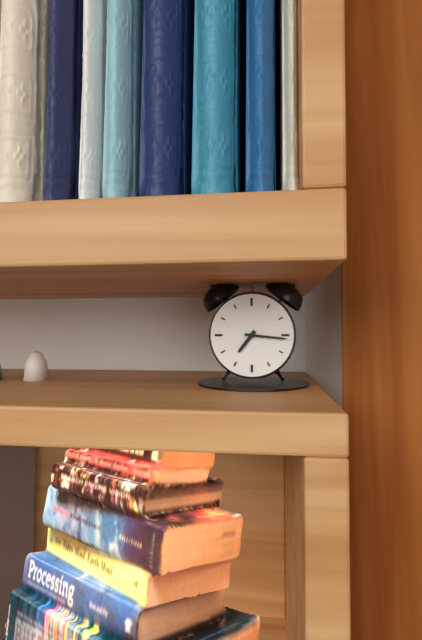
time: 7:16
